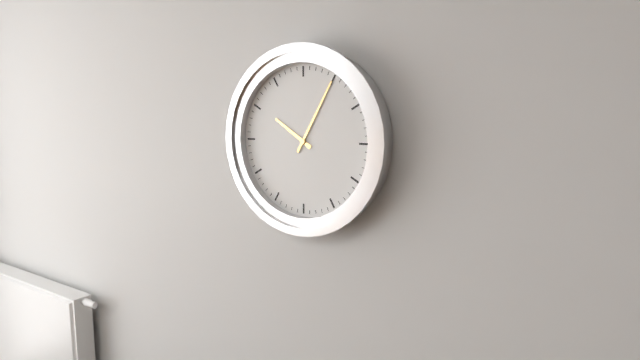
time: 10:05
